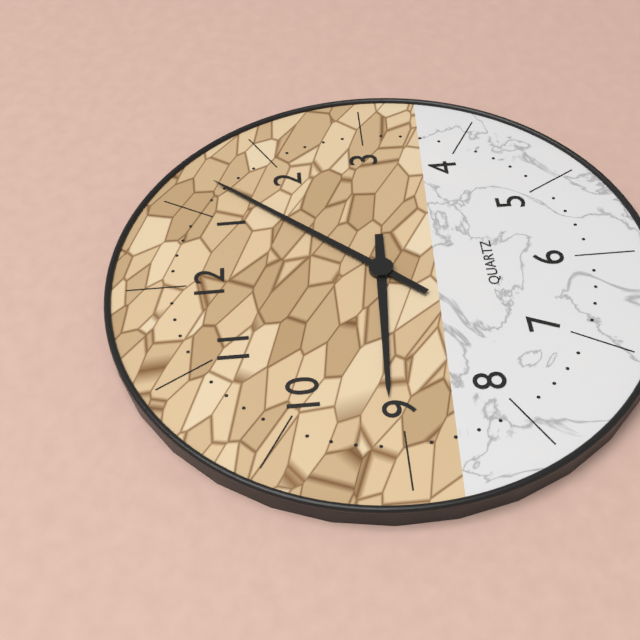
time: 9:07
